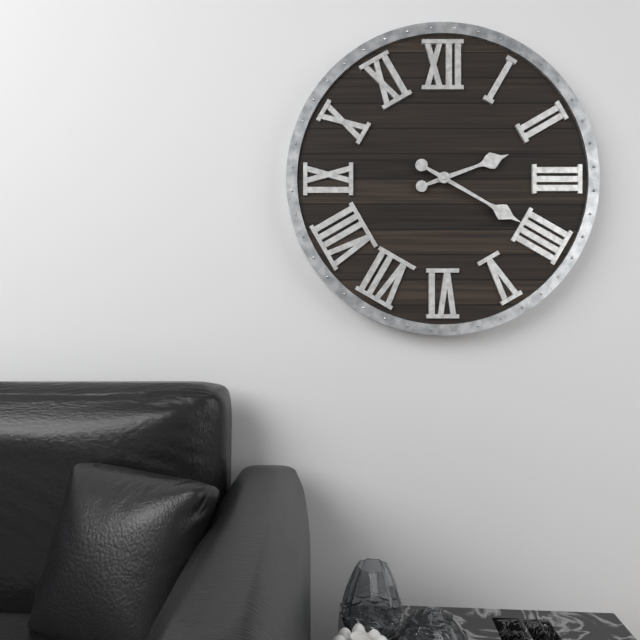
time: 2:20
